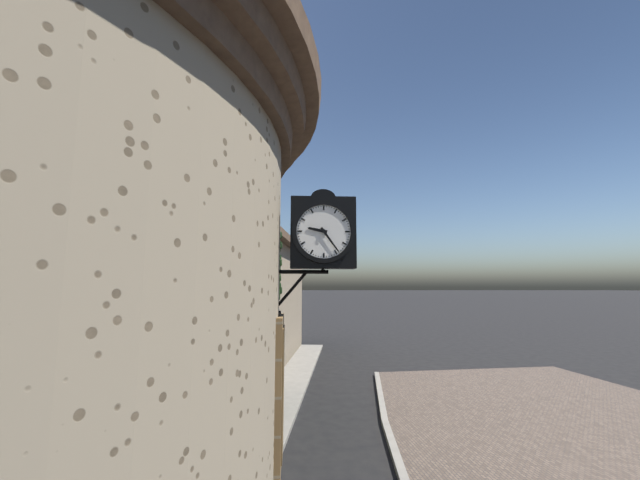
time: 9:24
